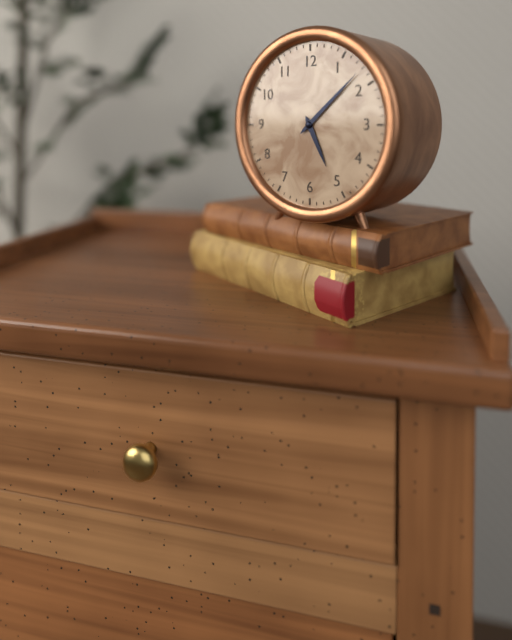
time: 5:08
